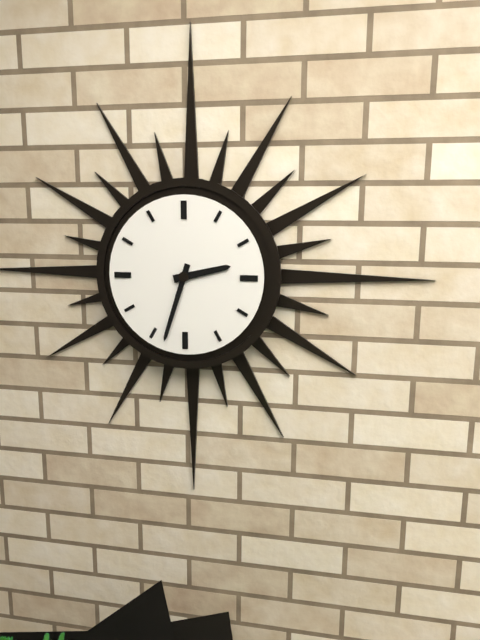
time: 2:33
